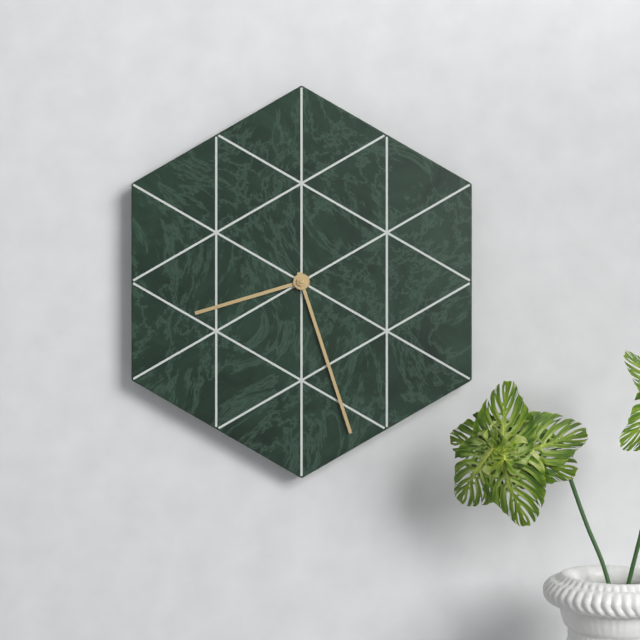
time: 8:27
